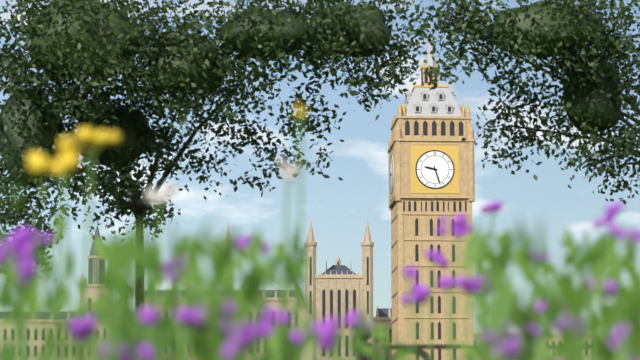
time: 9:27
